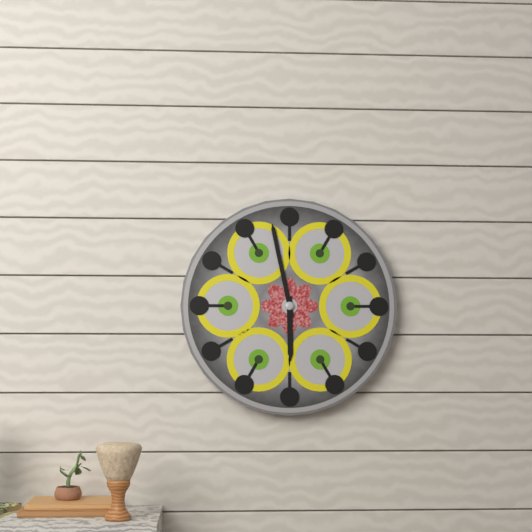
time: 5:58
